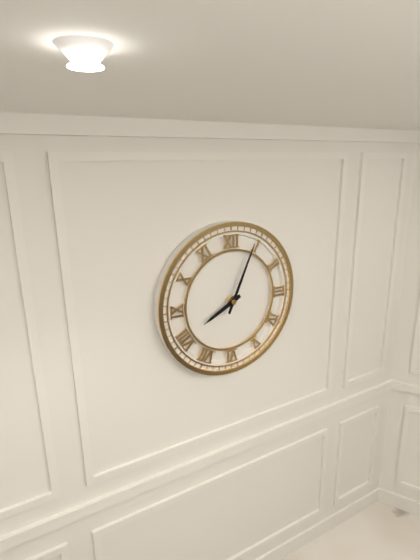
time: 8:04
